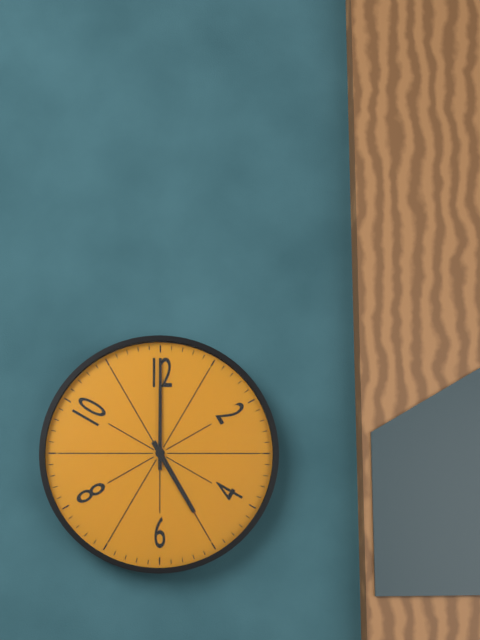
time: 5:00
